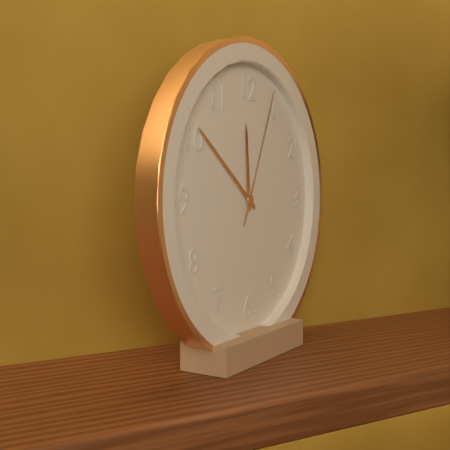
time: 11:51:04
